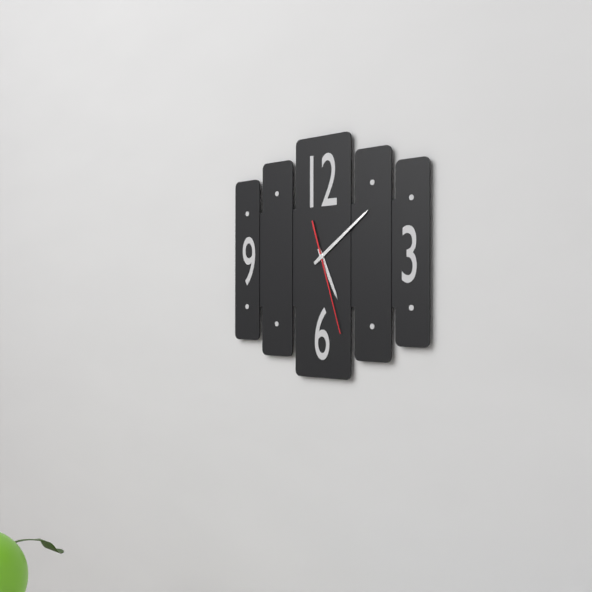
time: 5:09:27
